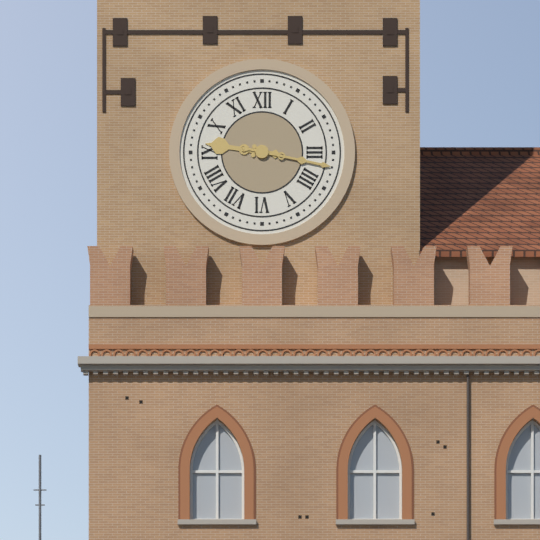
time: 9:17
